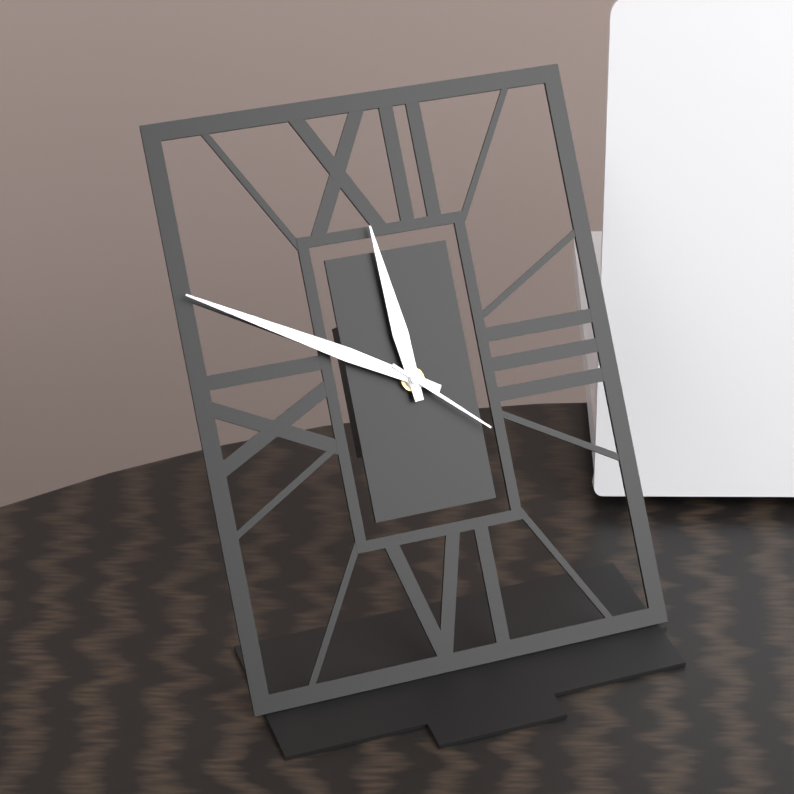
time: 11:50:22
